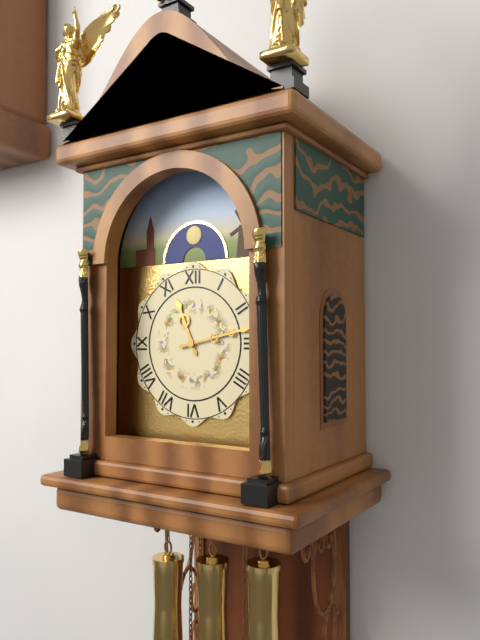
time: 11:13
